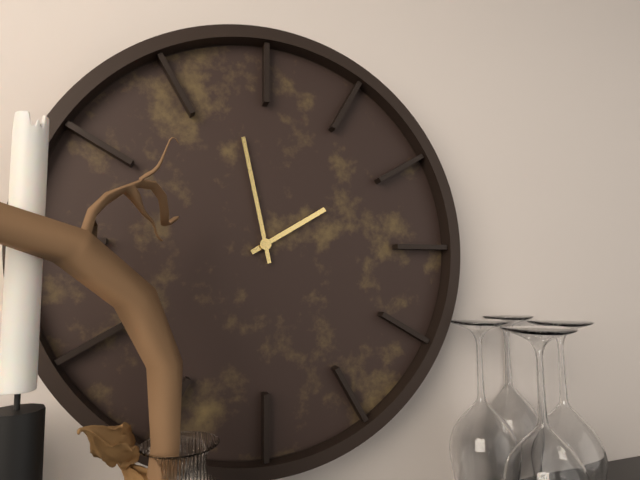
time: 1:58
